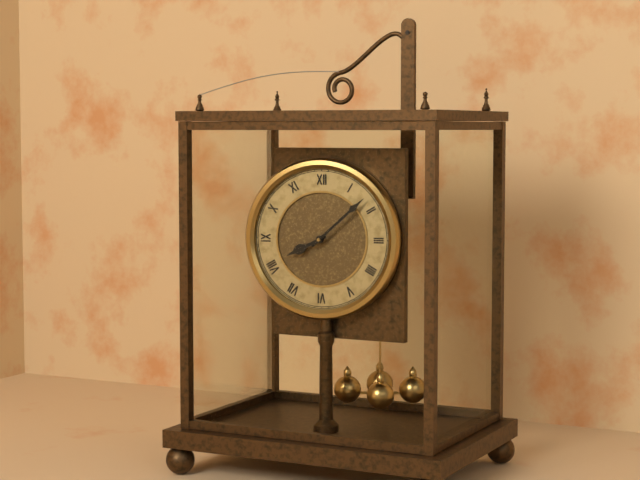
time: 8:08
